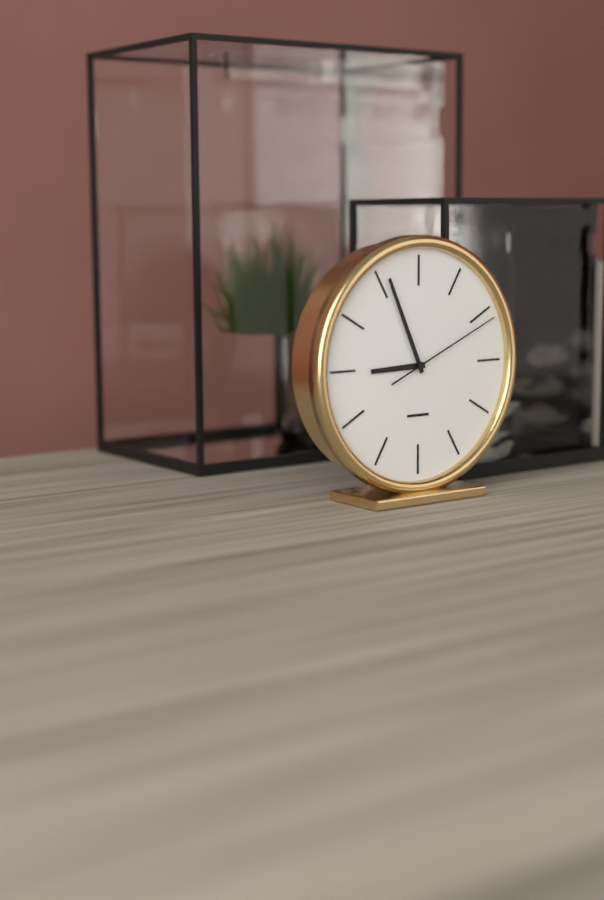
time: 8:56:11
